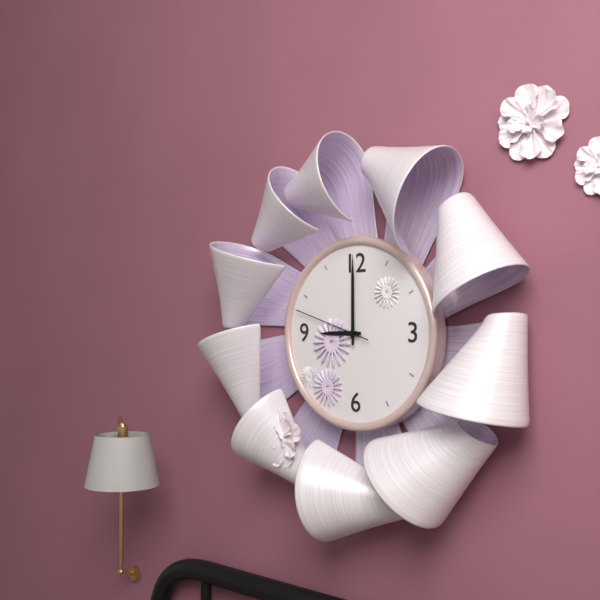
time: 9:00:48
